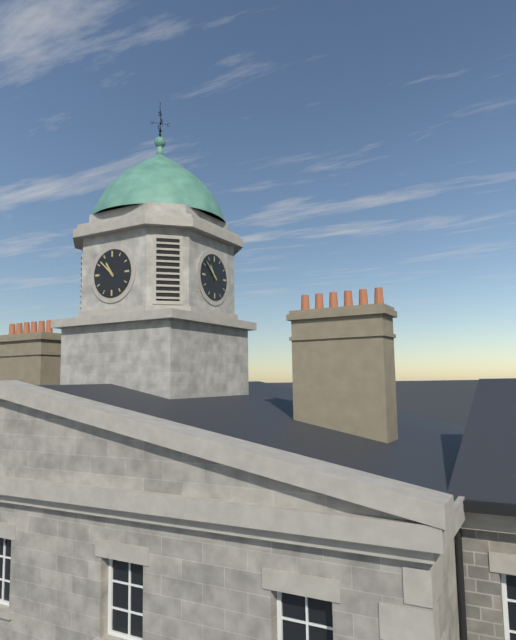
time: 10:52
